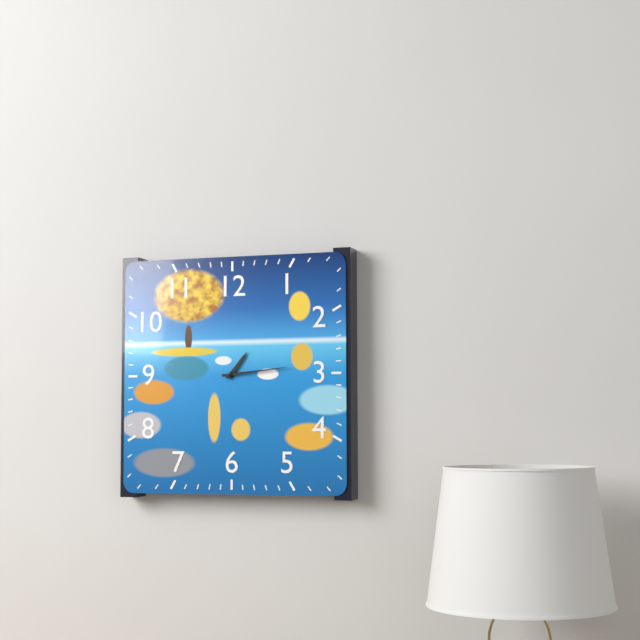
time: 1:14
